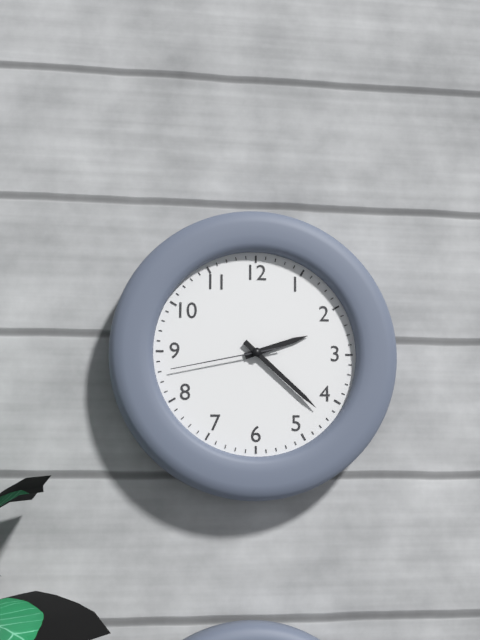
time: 2:22:43
